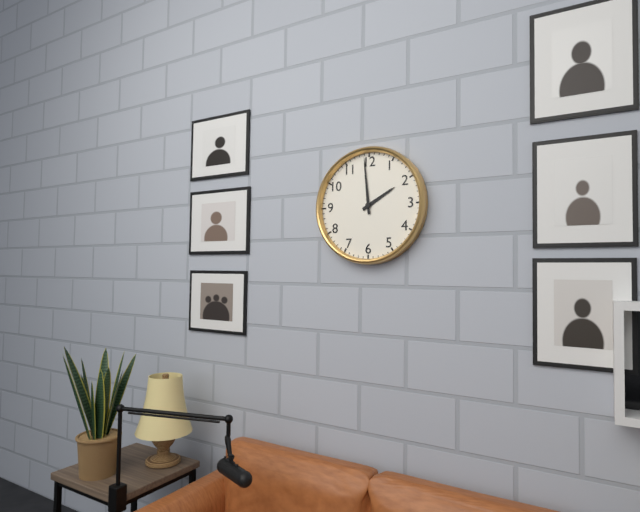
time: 1:59
